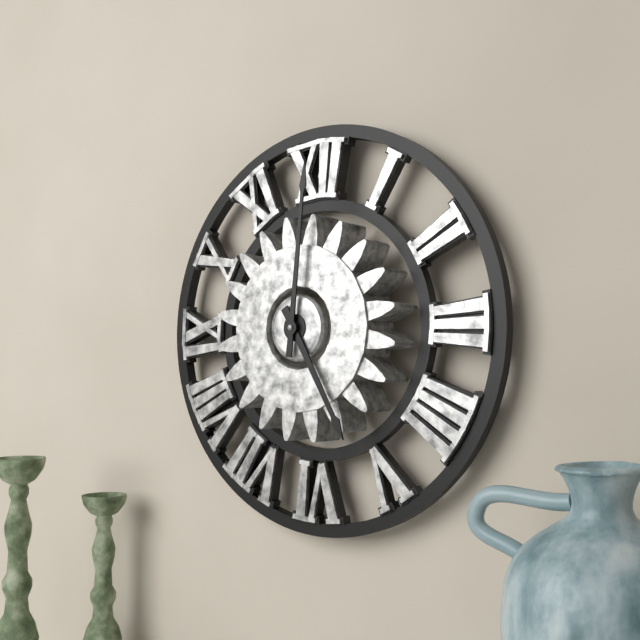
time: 5:01
